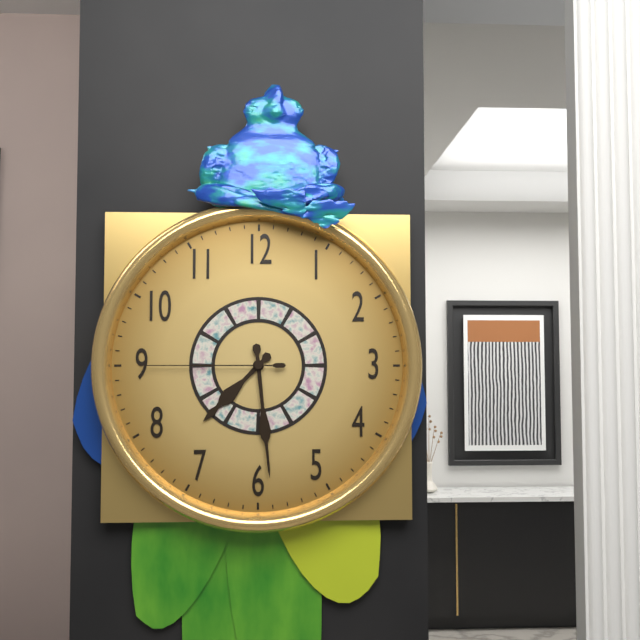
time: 7:29:45
